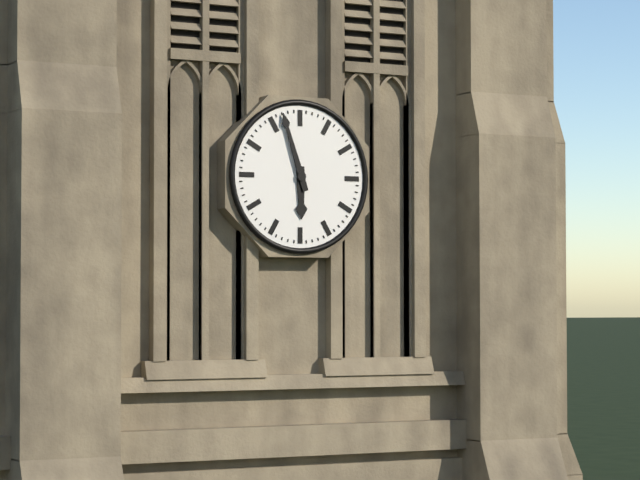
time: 5:57
